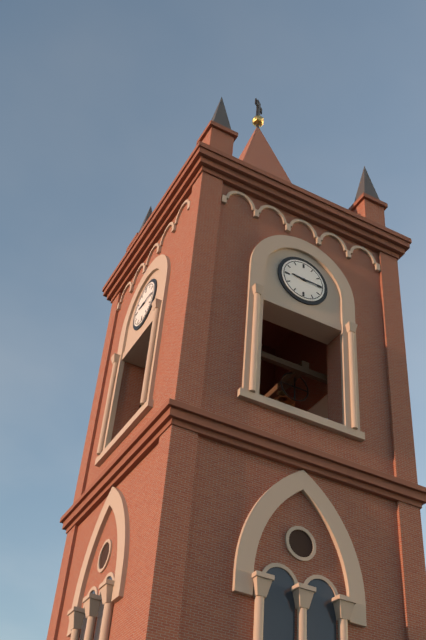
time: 9:15
